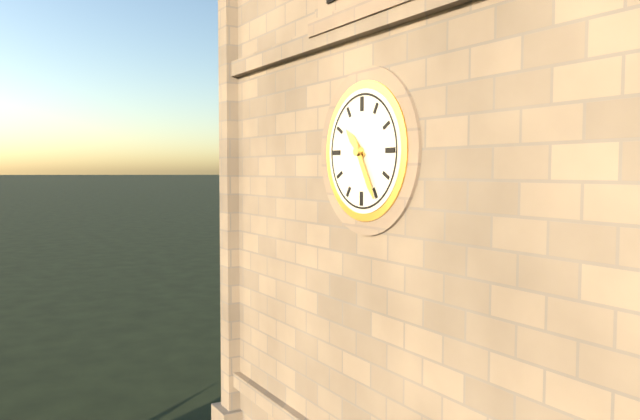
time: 10:25
